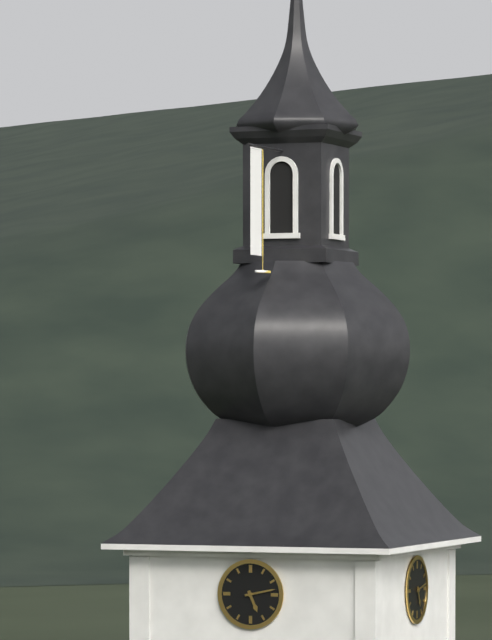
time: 5:13
